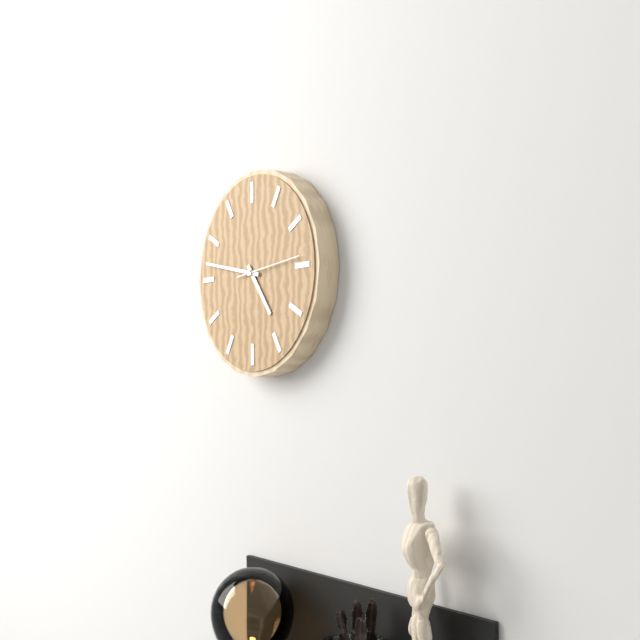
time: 4:47:14
